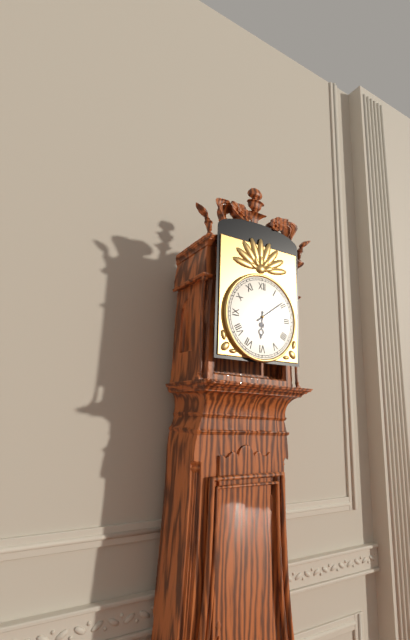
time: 6:09
